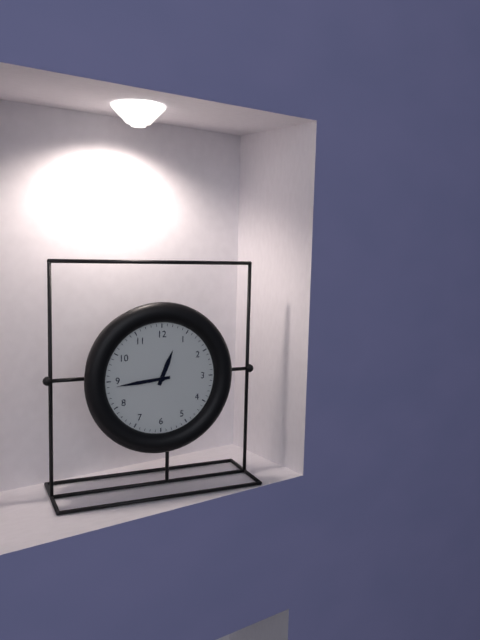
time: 12:44
